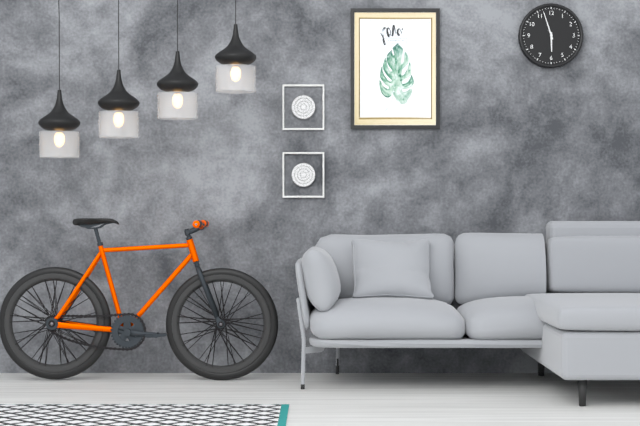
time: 5:57
